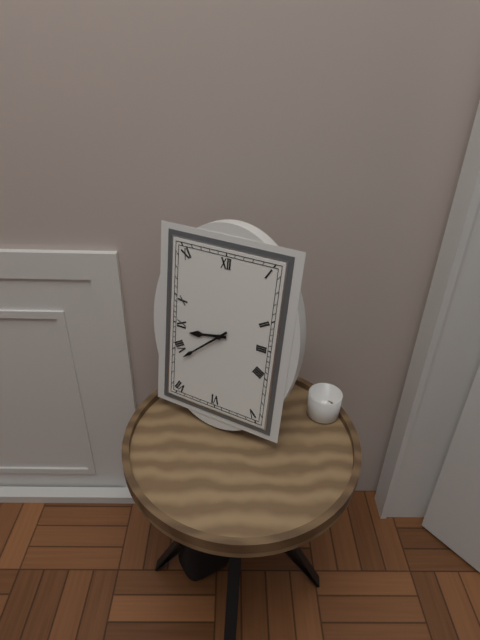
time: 8:38
